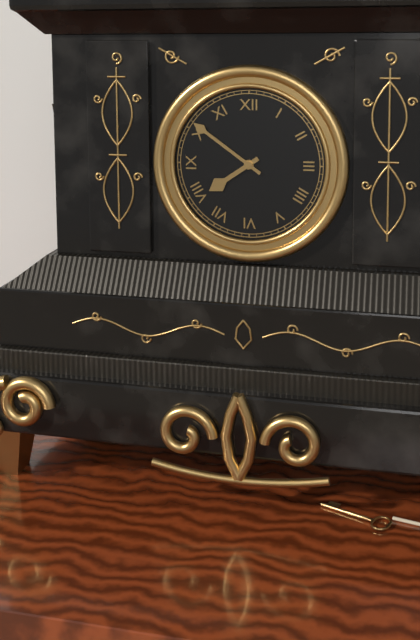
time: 7:51
